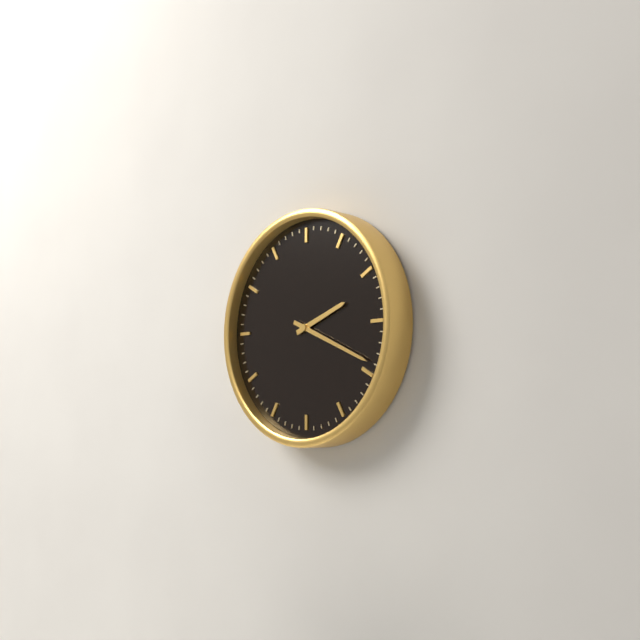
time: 2:19
